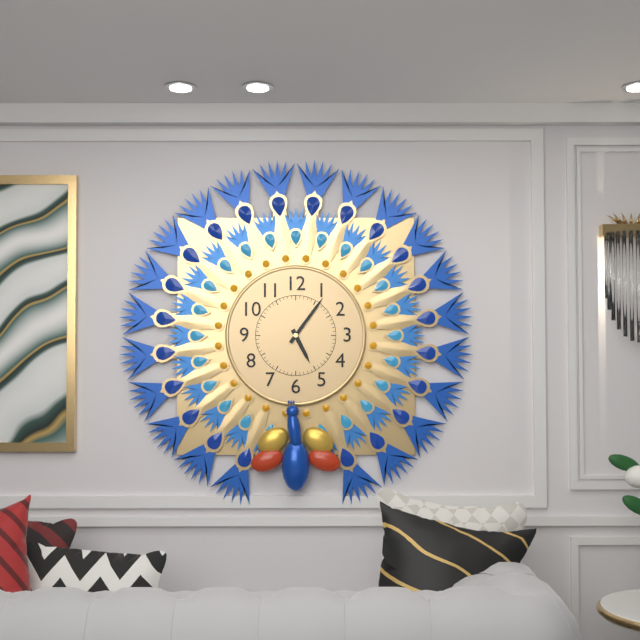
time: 5:06
